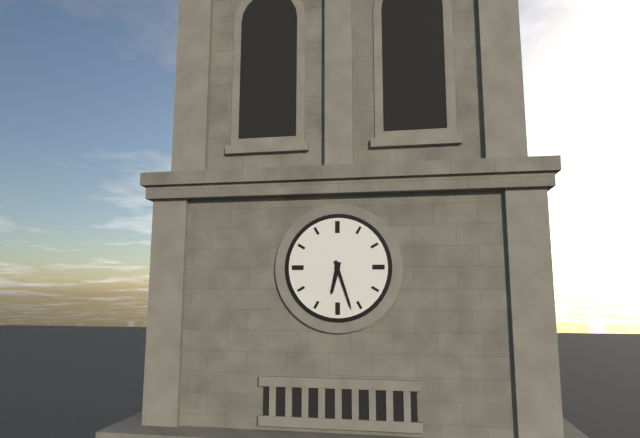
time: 6:27
